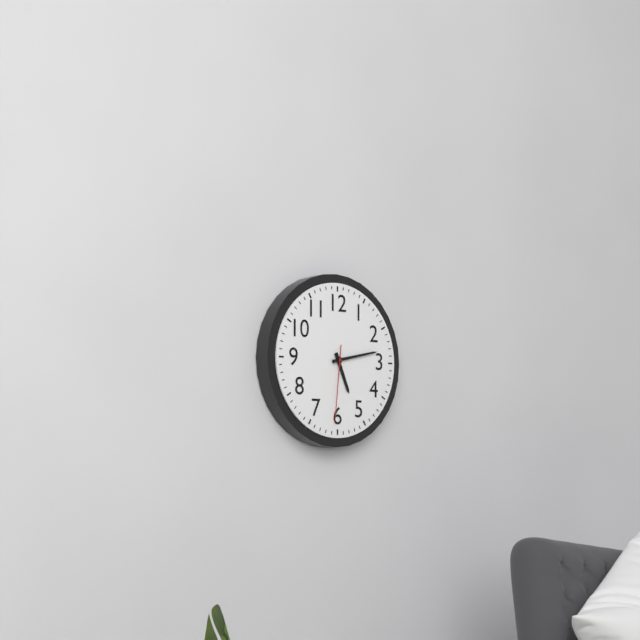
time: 5:13:31
